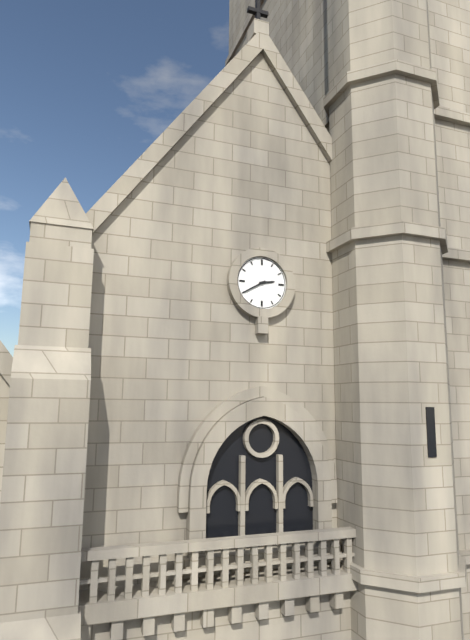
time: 2:40
